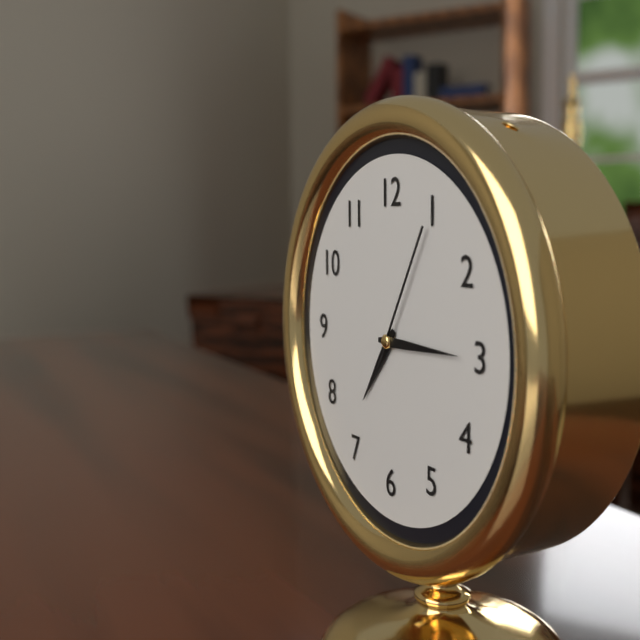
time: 7:15:05
